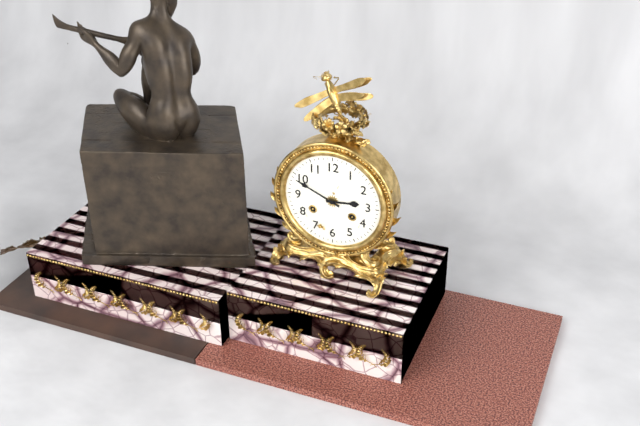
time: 2:49
